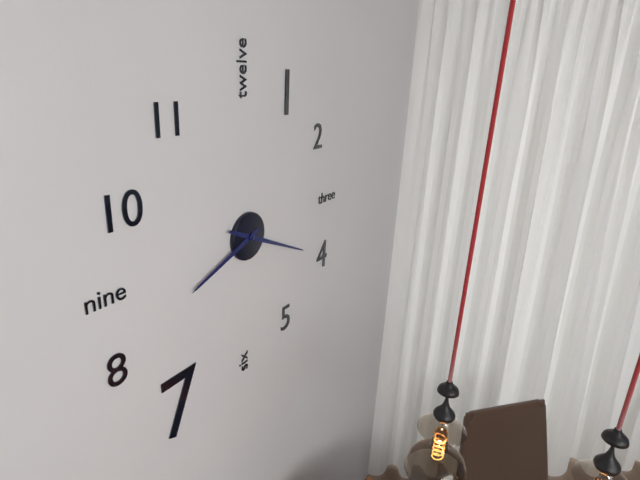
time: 8:19
